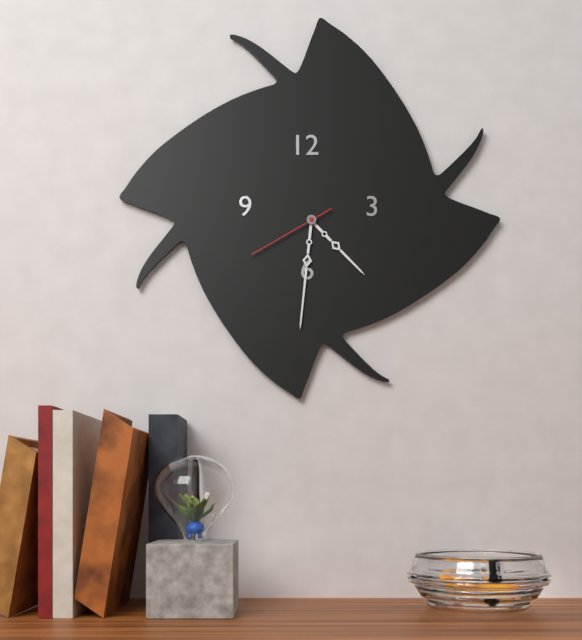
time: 4:31:40
